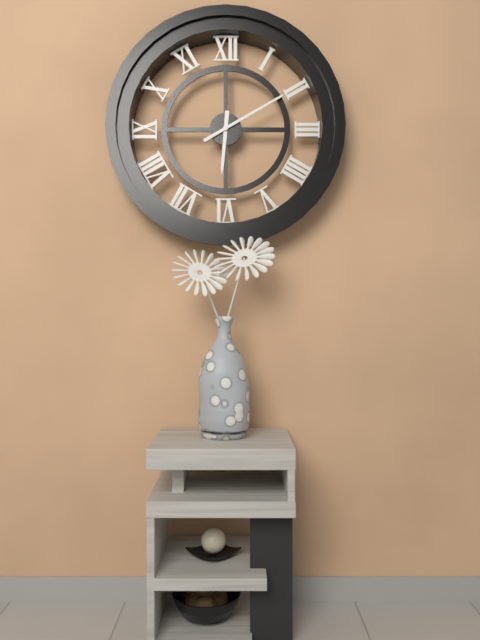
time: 6:10
